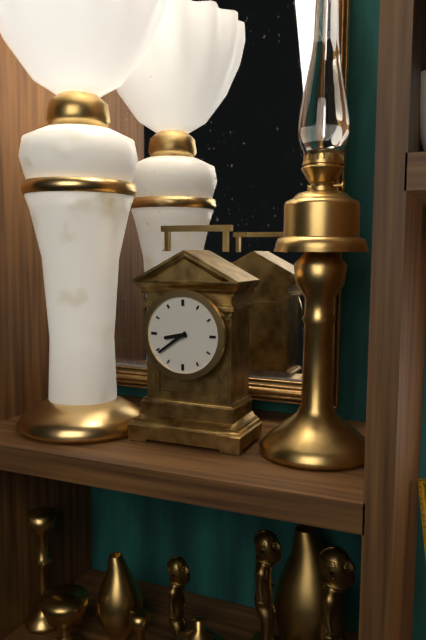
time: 8:39
